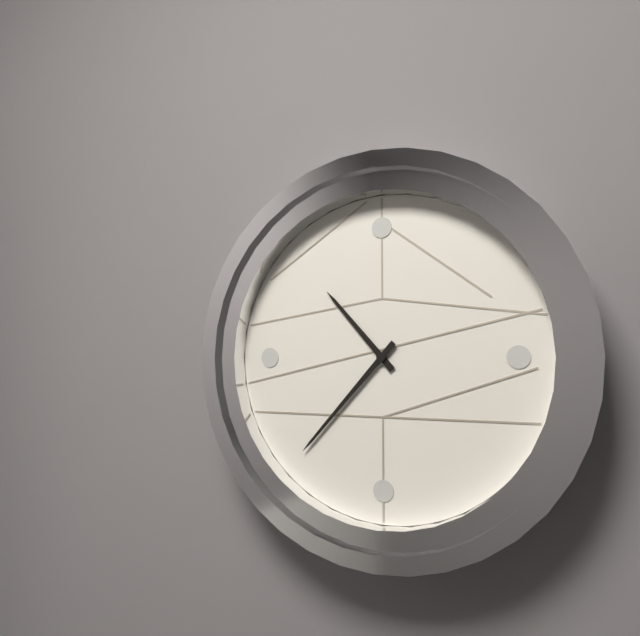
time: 10:37
